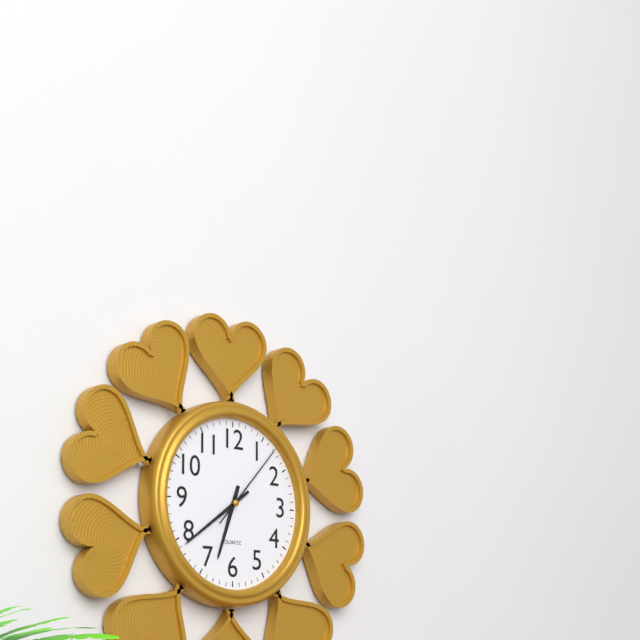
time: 6:39:07
